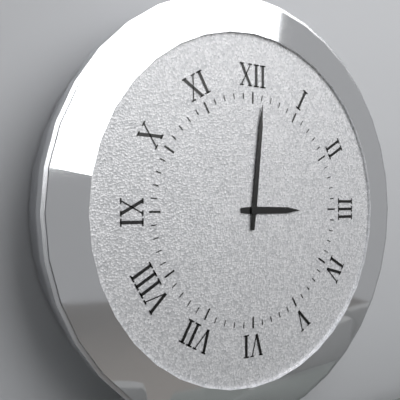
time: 3:01
